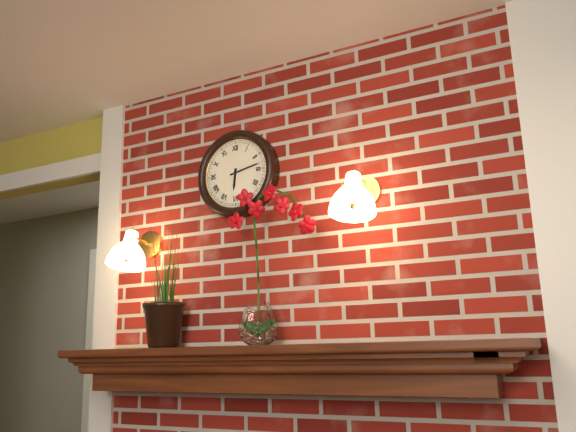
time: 6:13
